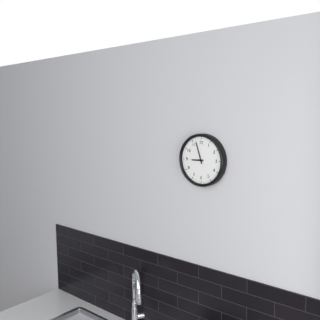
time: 8:57
